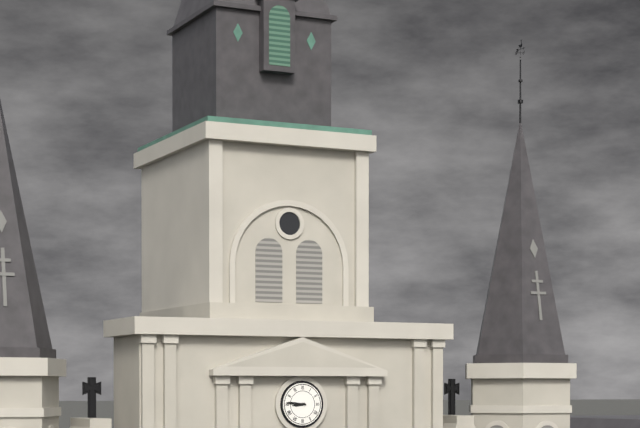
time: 8:46
